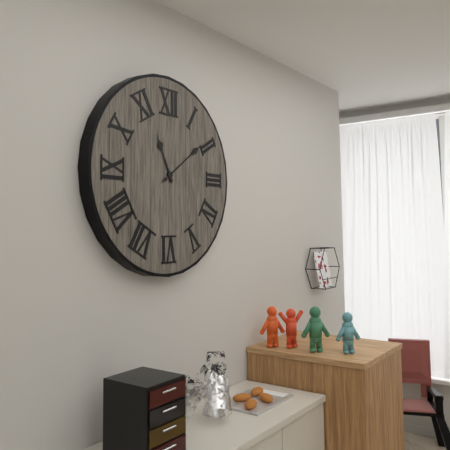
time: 11:09
